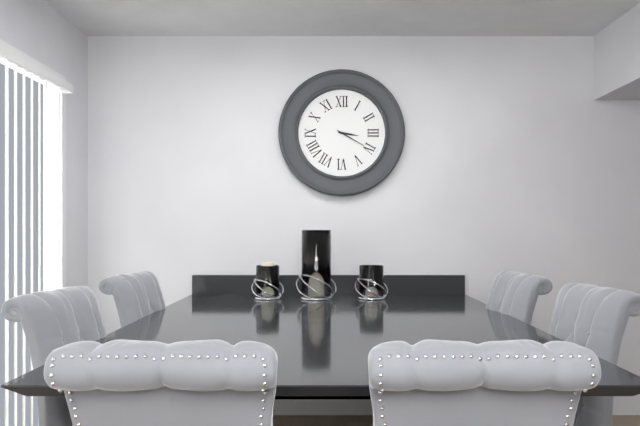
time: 3:20
